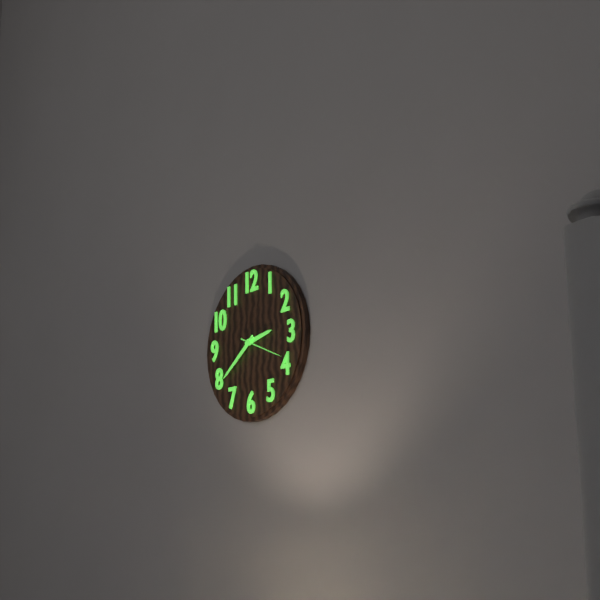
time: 2:39
